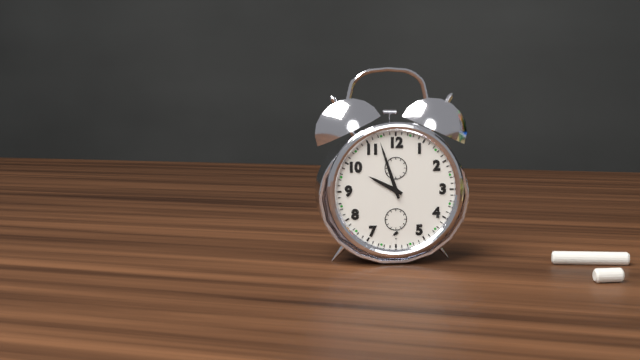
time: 9:57
